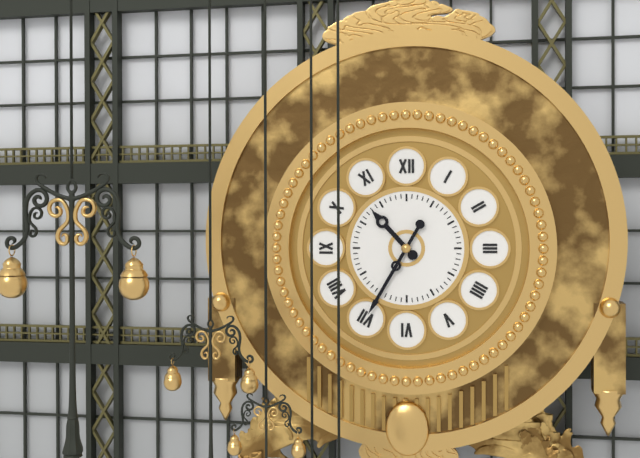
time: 10:35
